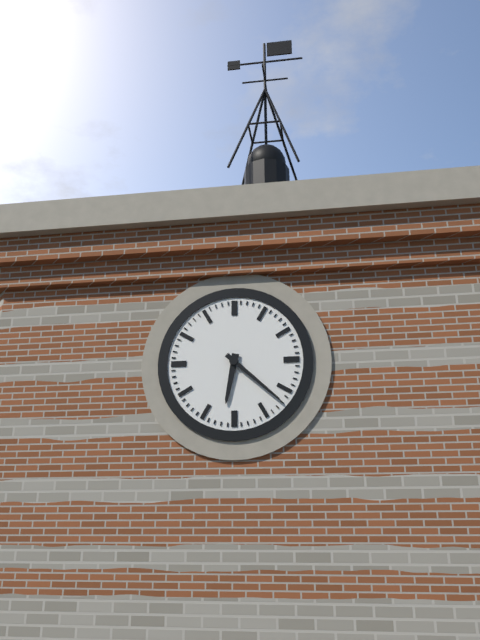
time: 6:22
